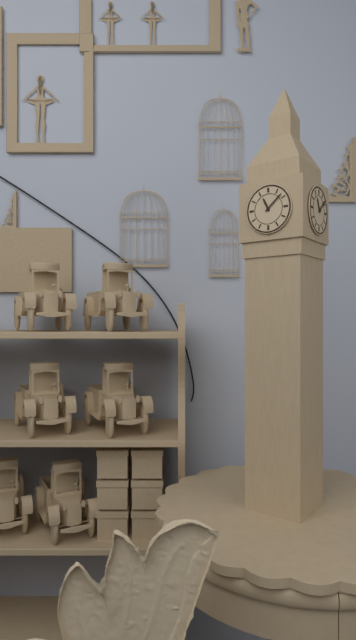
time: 11:08
